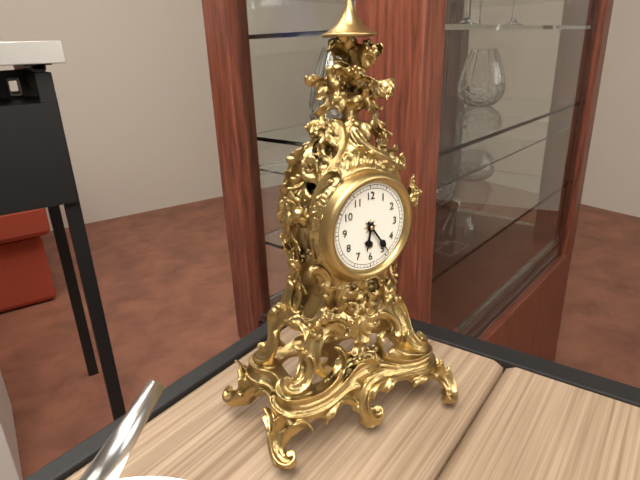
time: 6:24
